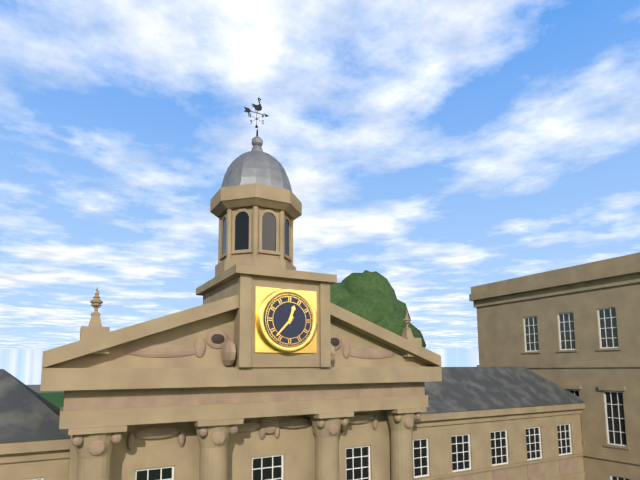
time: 12:37
